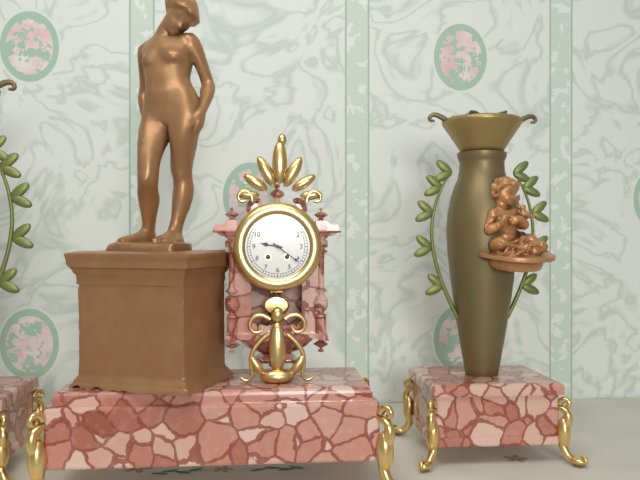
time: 9:21
